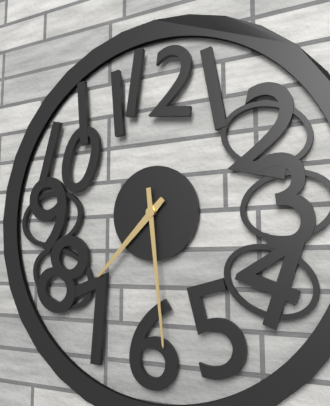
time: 7:29
